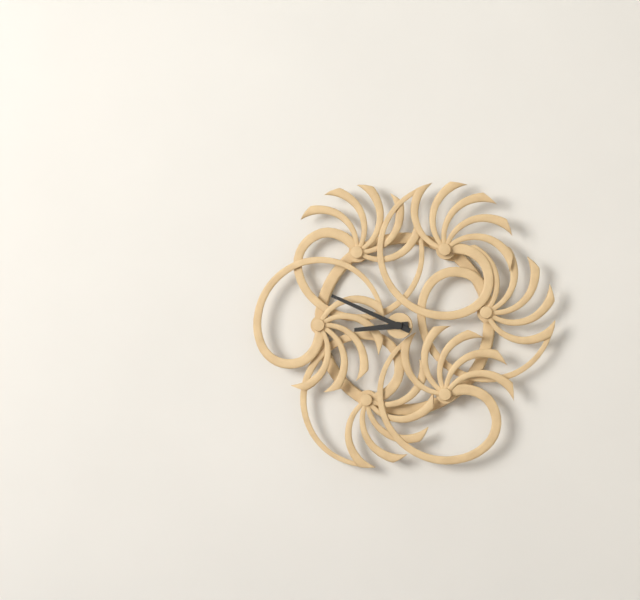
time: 8:49
